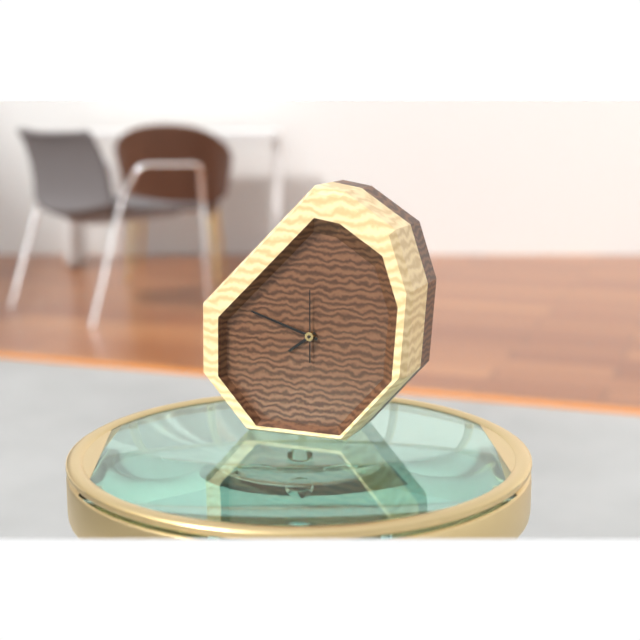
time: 7:48:00
